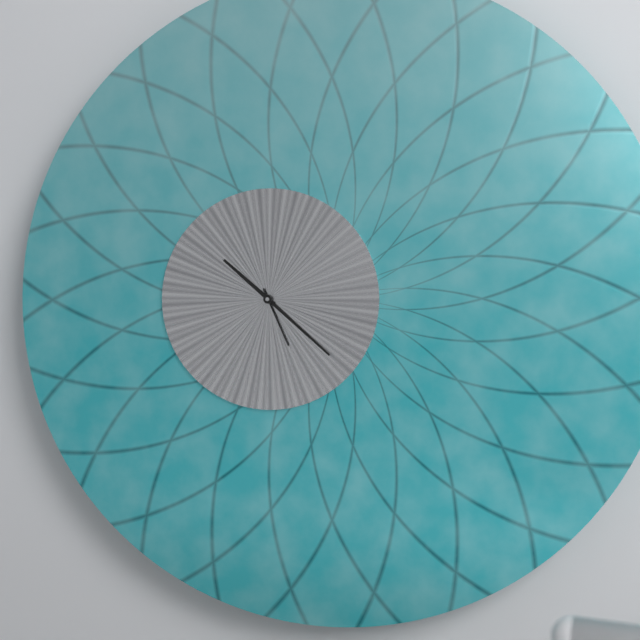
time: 10:22:26
